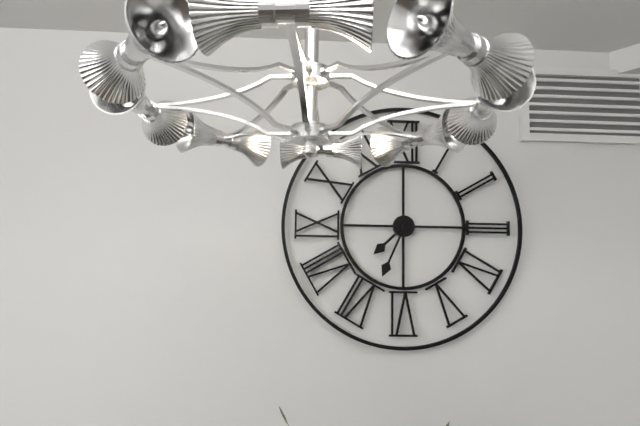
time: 7:34
